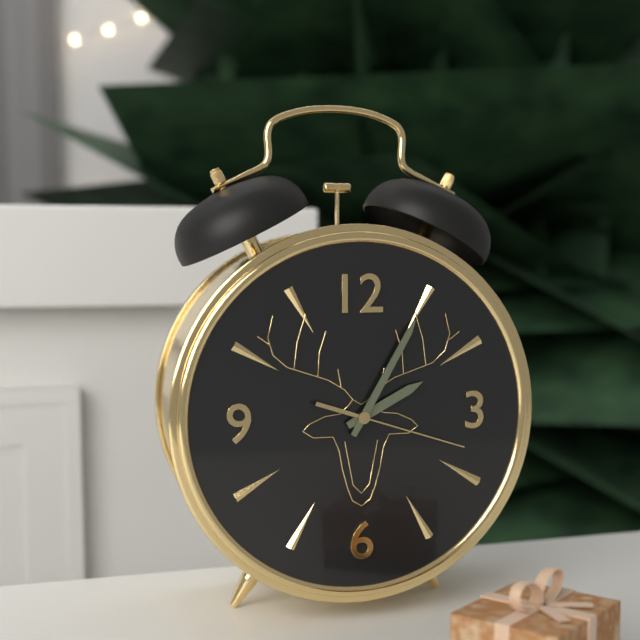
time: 2:05:18
